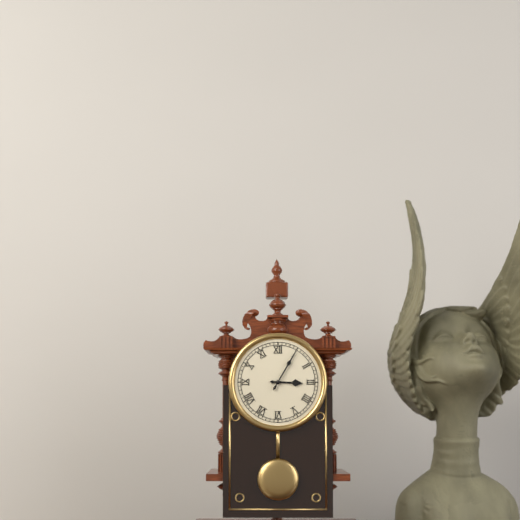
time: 3:05
